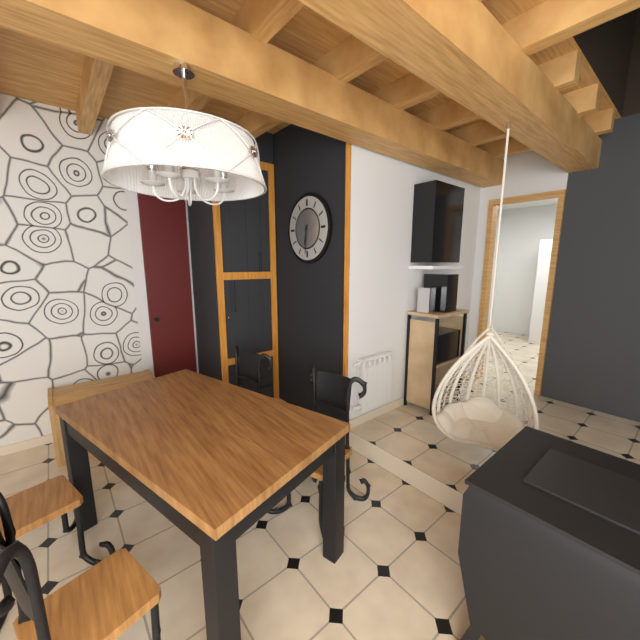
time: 6:31
